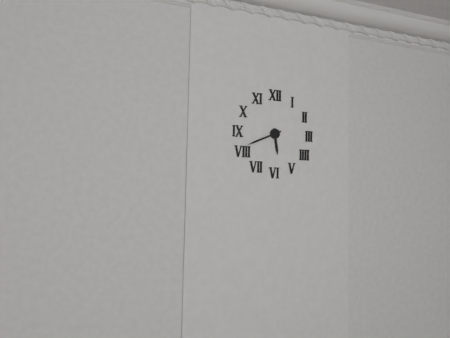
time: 5:41
